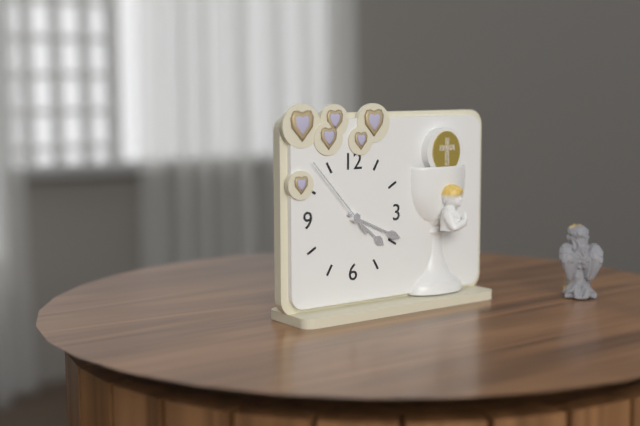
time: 4:19:53
